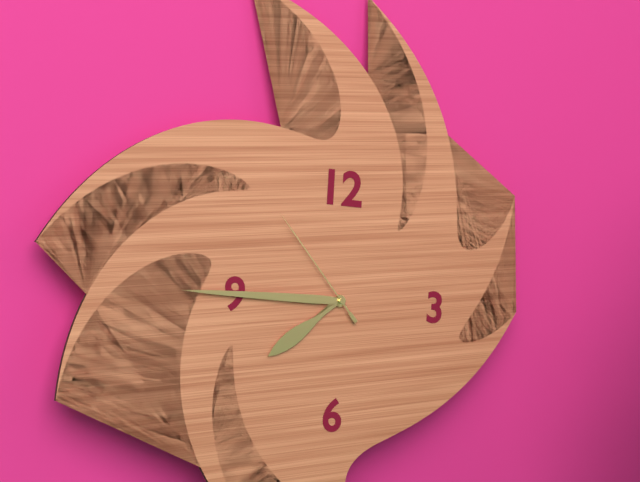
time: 7:45:53
